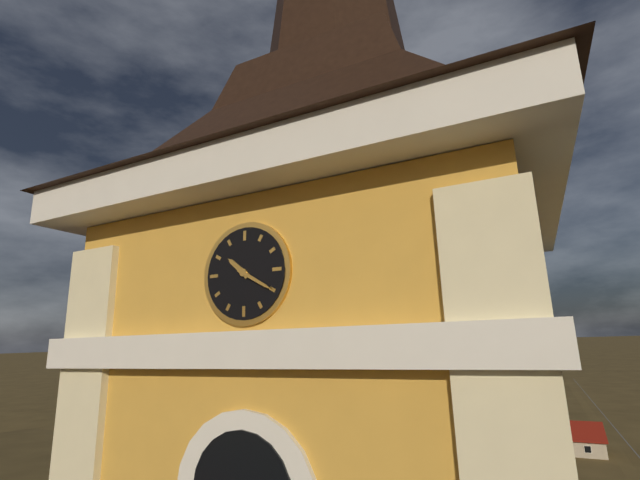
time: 10:20
